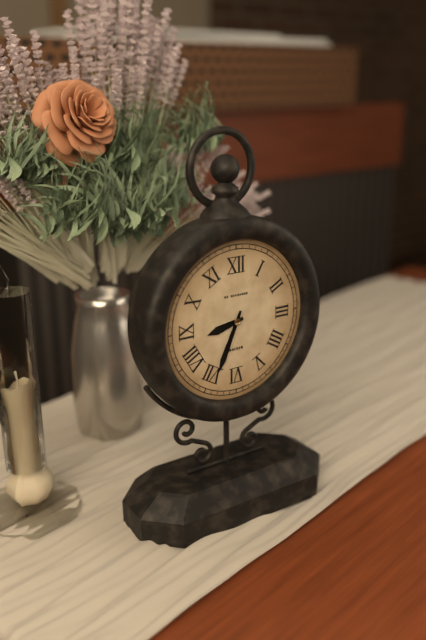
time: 8:34
